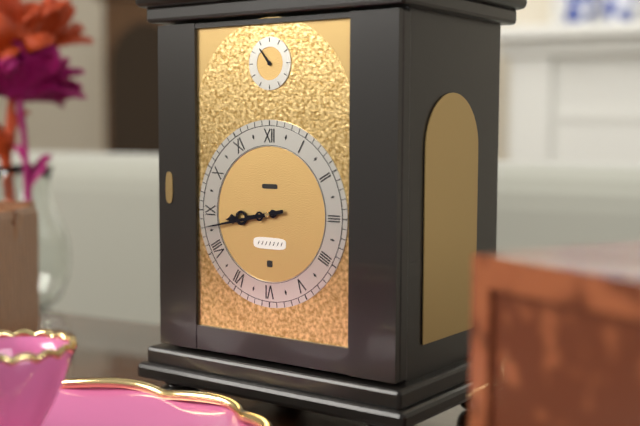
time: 8:43
